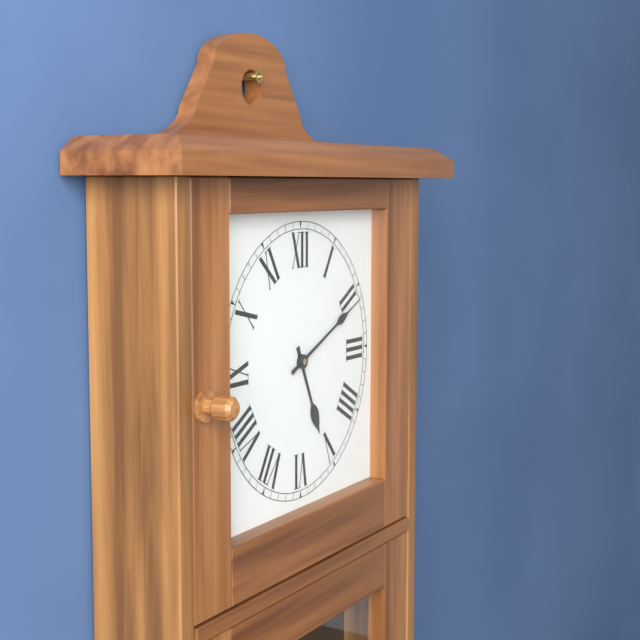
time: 5:11
